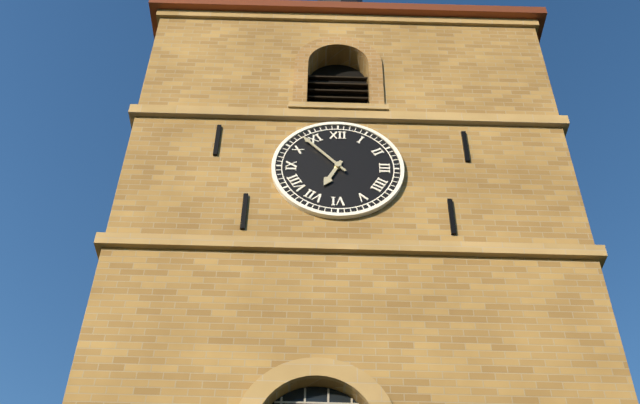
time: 6:53
